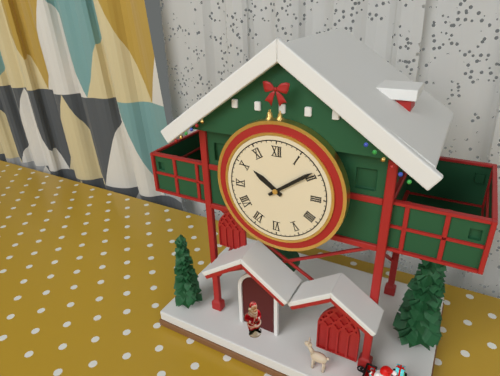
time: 10:09
